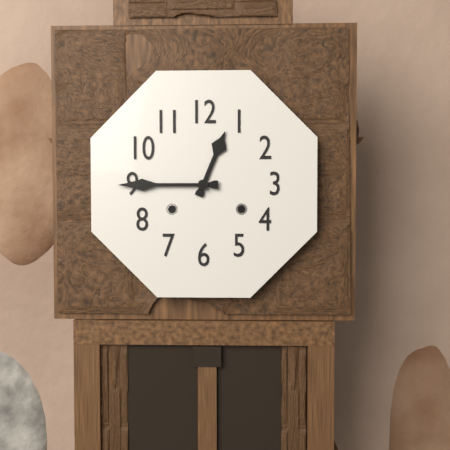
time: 12:45
